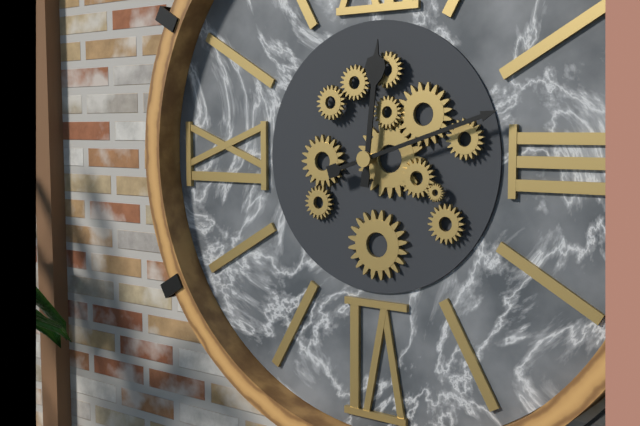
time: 12:12
